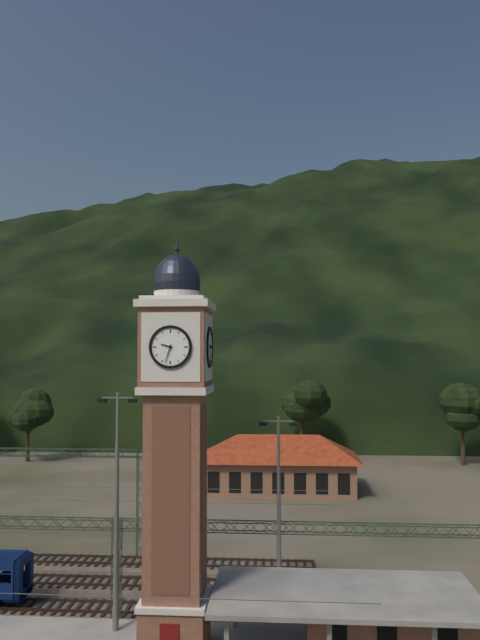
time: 9:33
